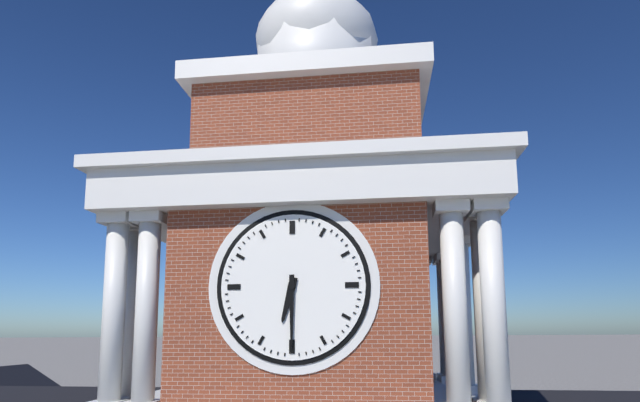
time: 6:30
